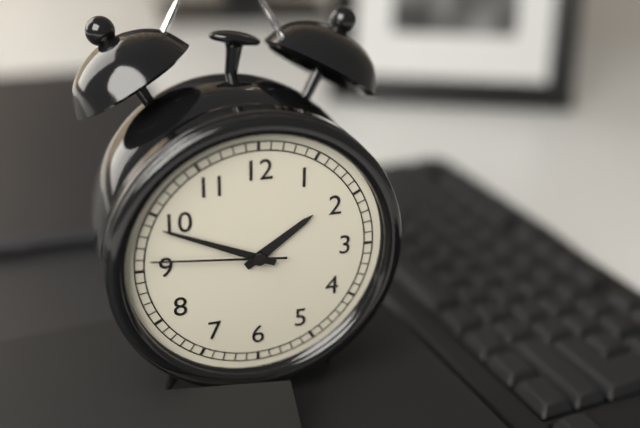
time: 1:49:46
